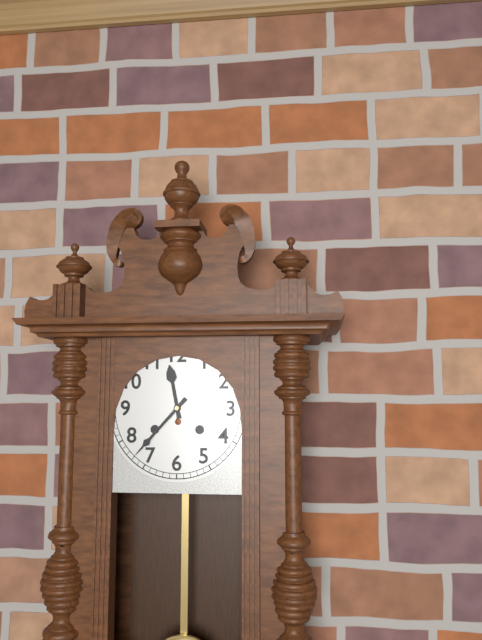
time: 11:37
